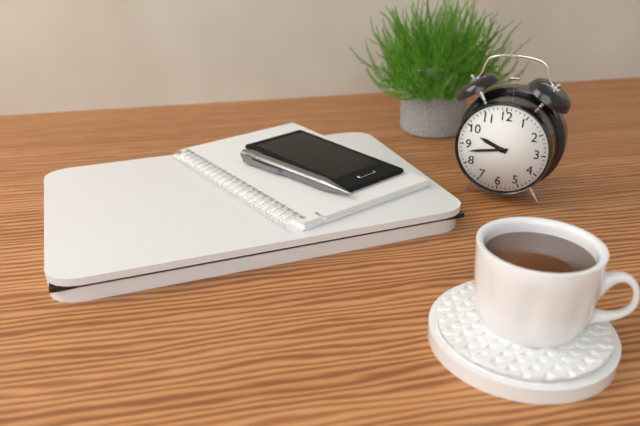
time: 9:43
